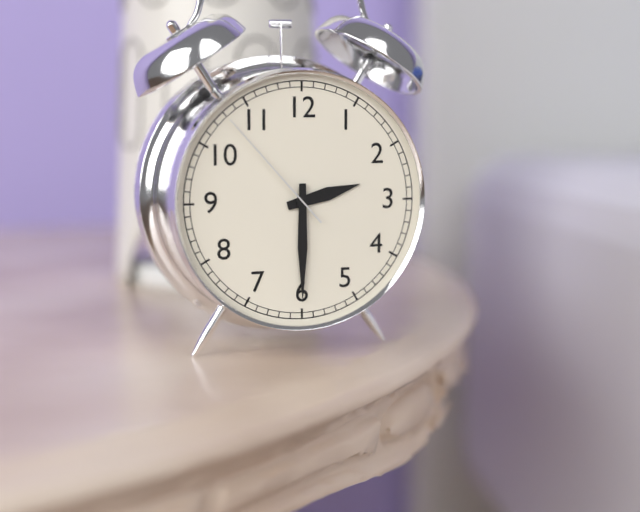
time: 2:30:53
